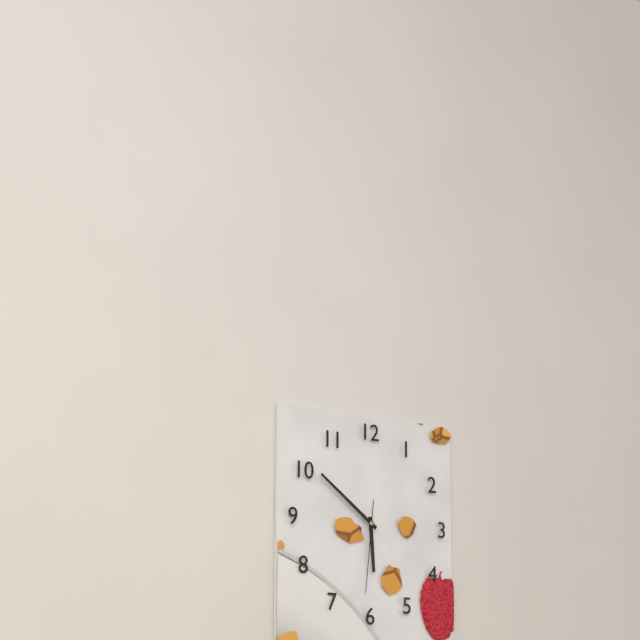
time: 5:51:31
